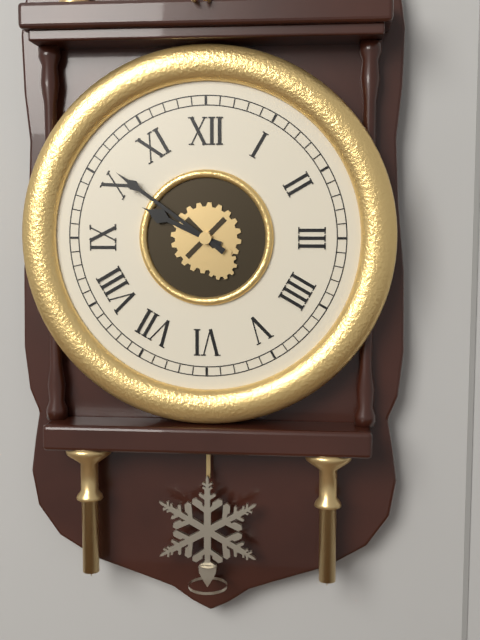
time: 9:51
